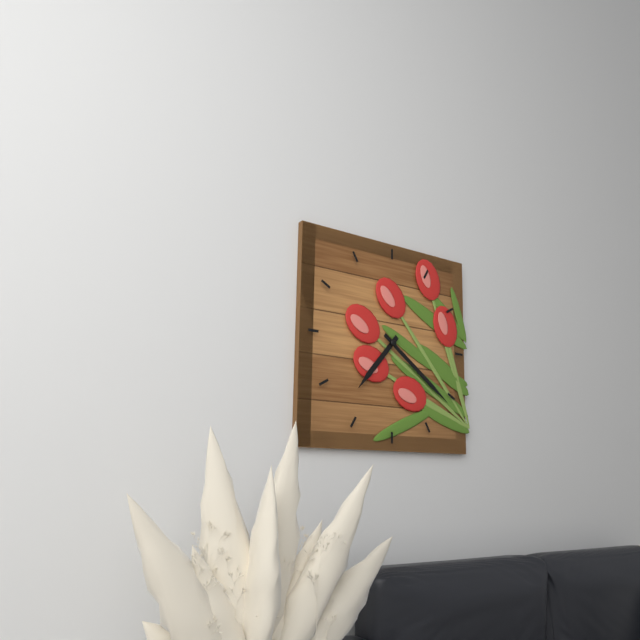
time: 7:21
